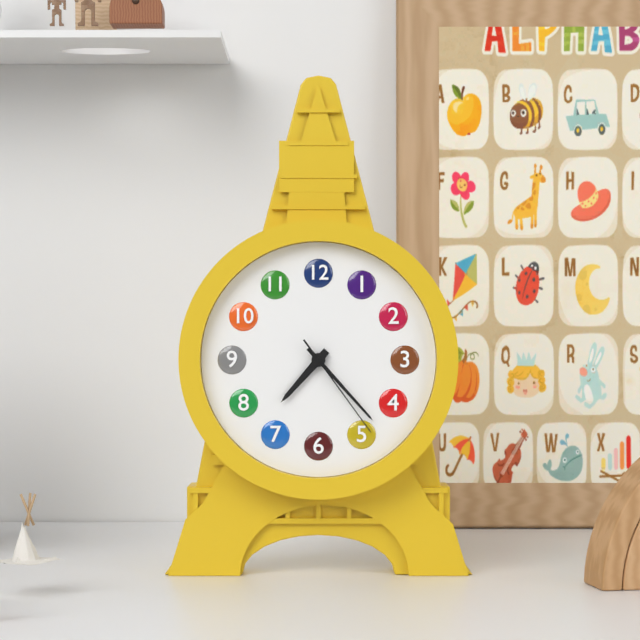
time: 7:23:24
